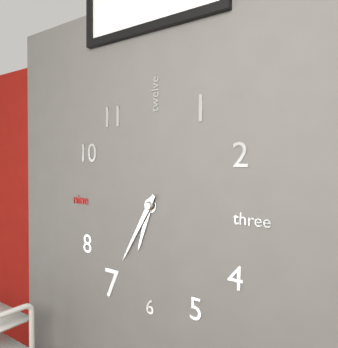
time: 6:35
